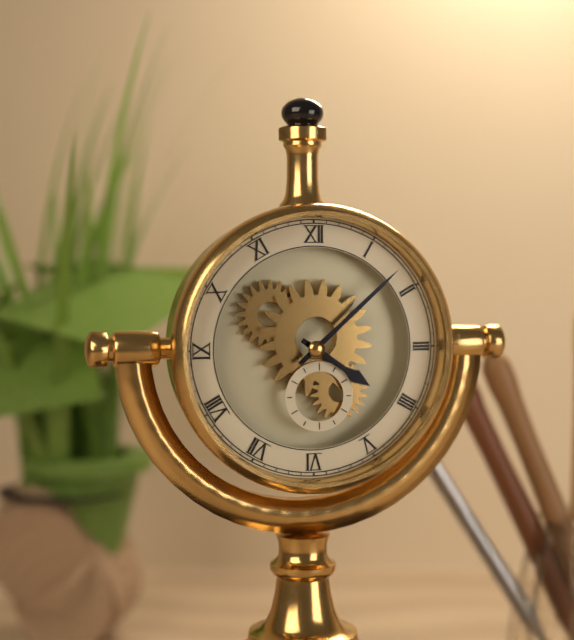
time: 4:08
